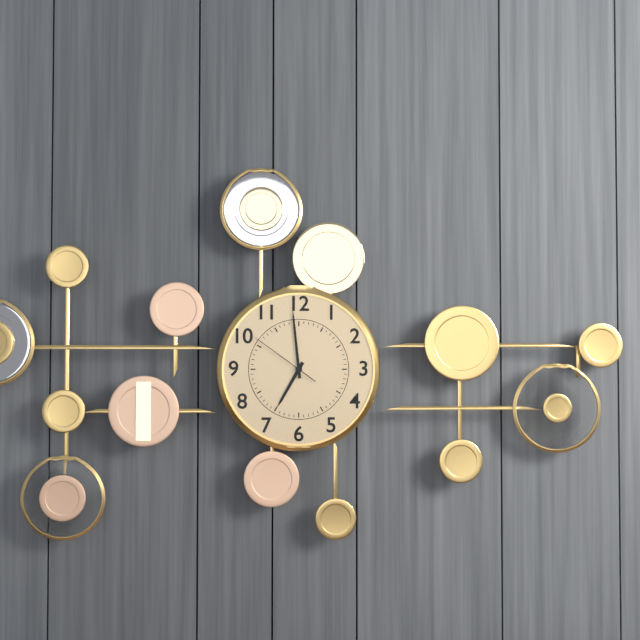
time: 6:59:51
